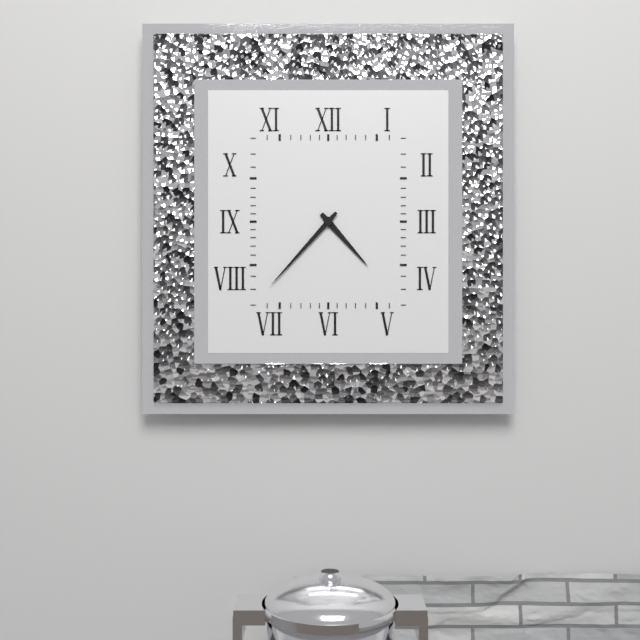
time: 4:37
